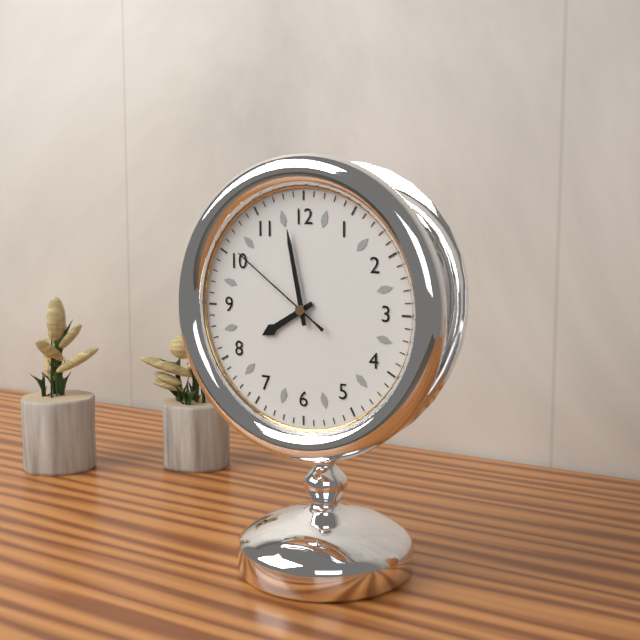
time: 7:58:51
